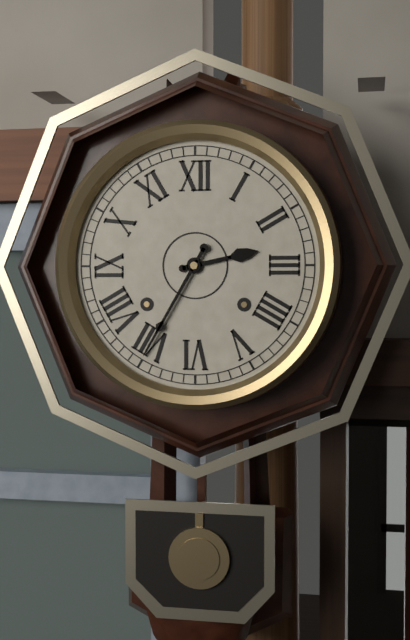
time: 2:35
